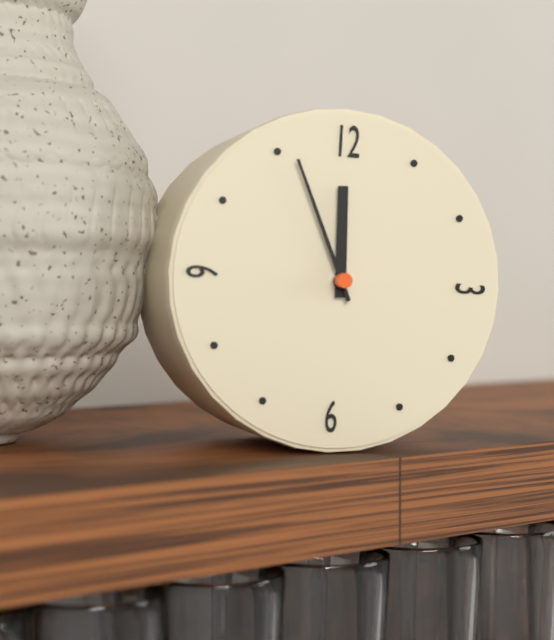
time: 11:56
